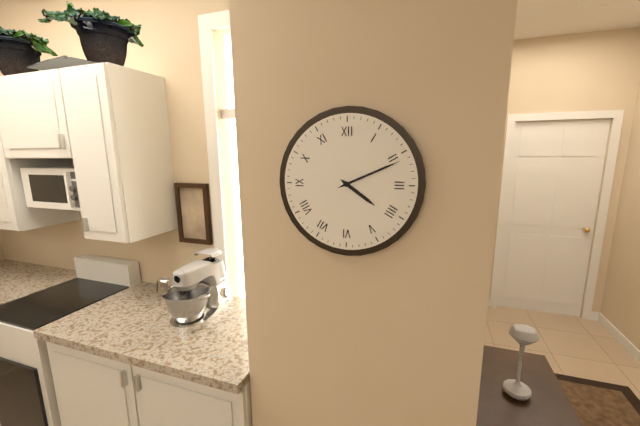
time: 4:11
